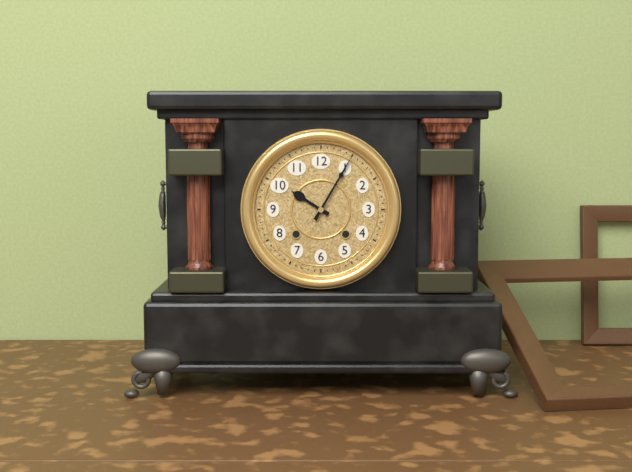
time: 10:05
